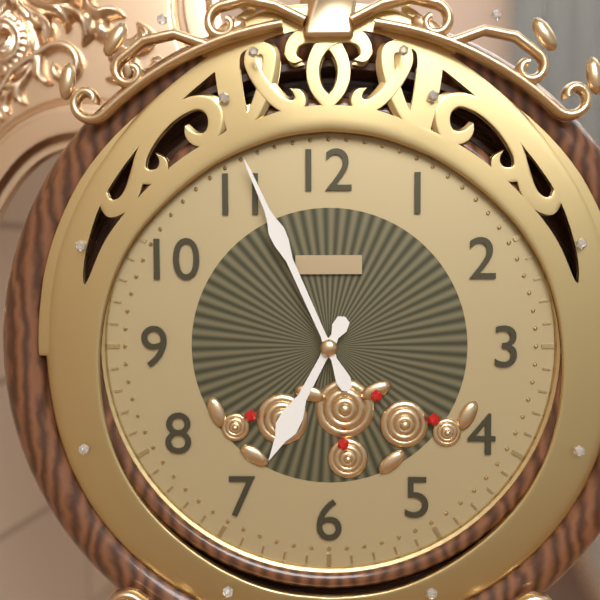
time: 6:56
